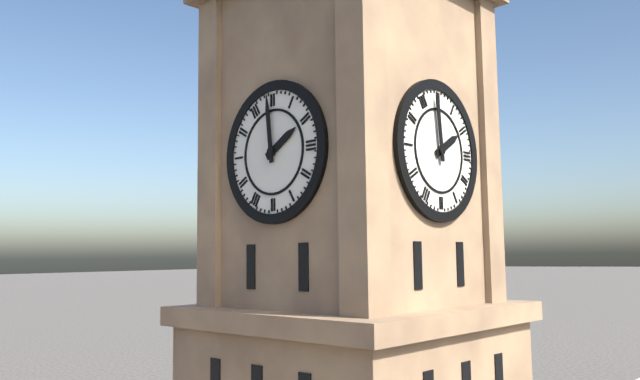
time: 1:59
